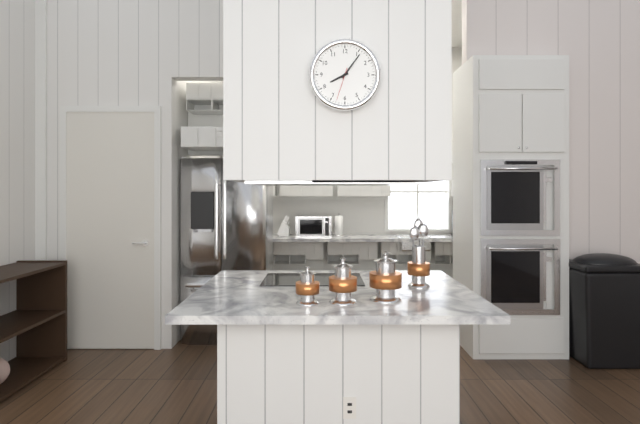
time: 8:06
